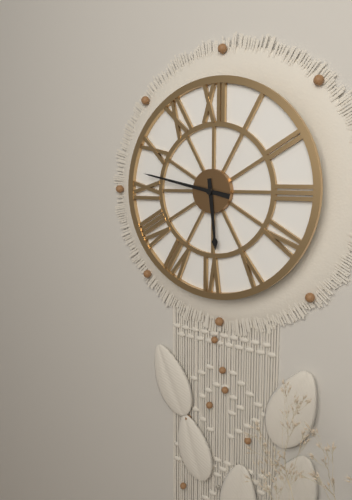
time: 5:47
